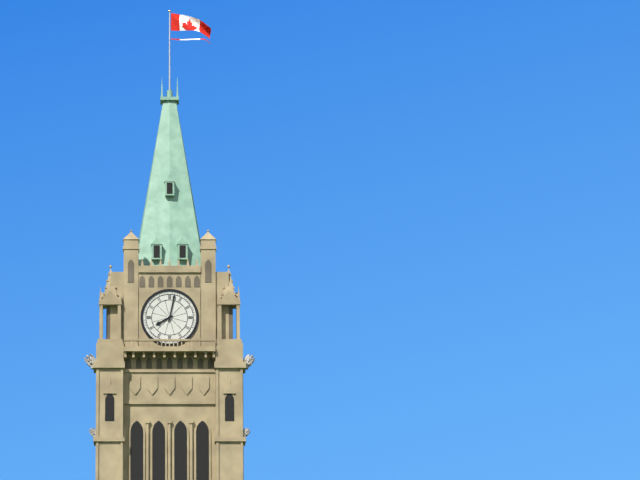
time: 8:02
